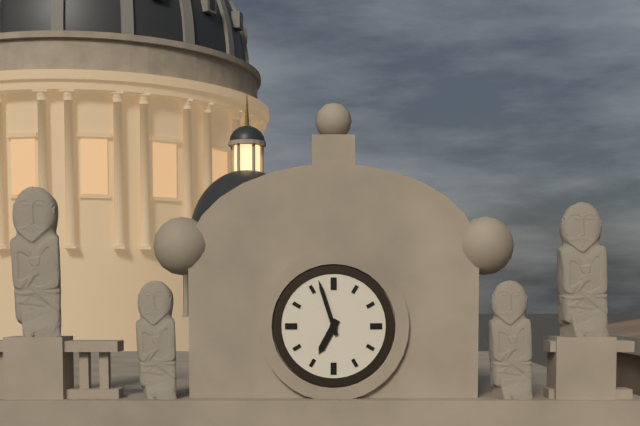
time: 6:57
